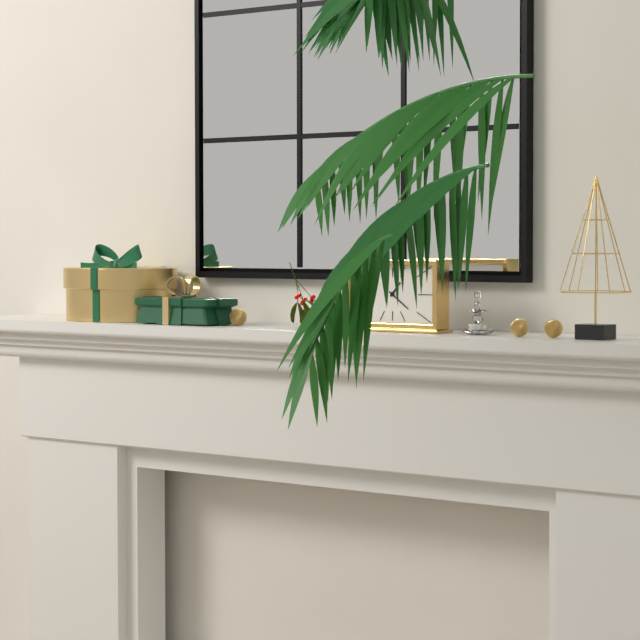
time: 1:21
